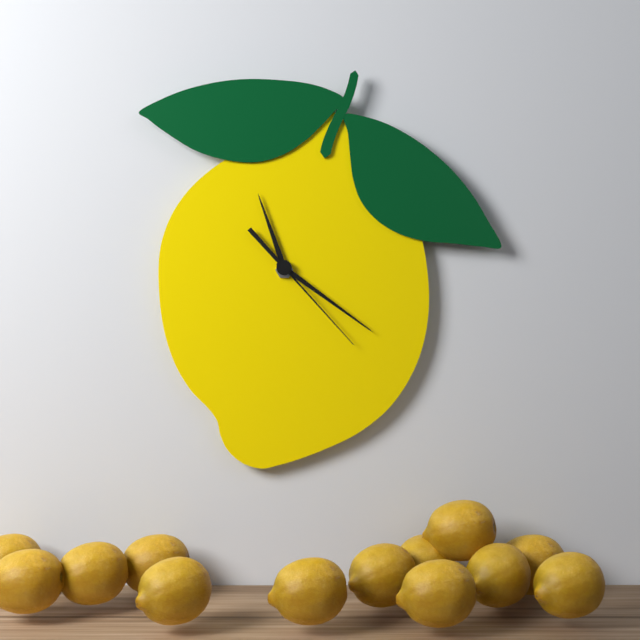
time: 11:21:23
